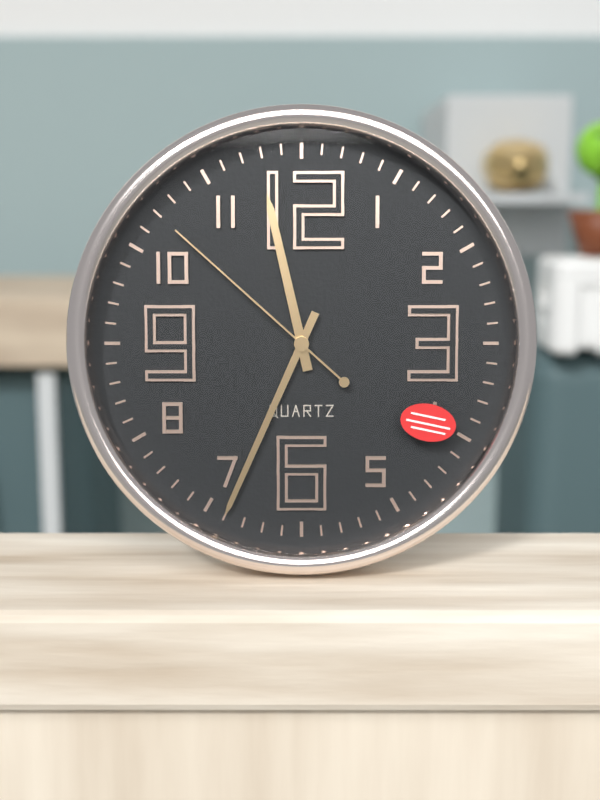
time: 11:34:52
